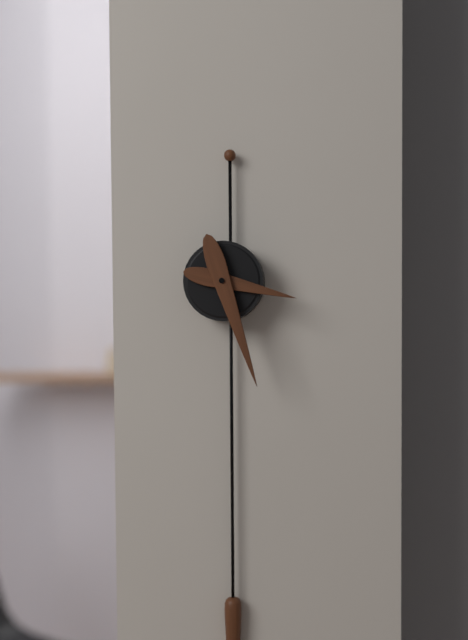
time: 3:27
